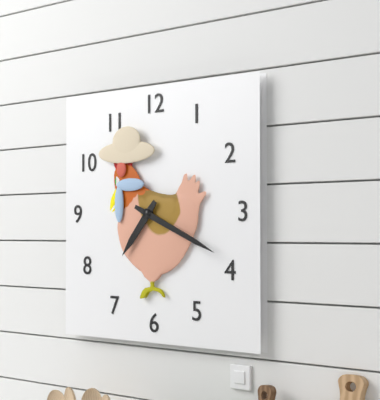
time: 7:19
